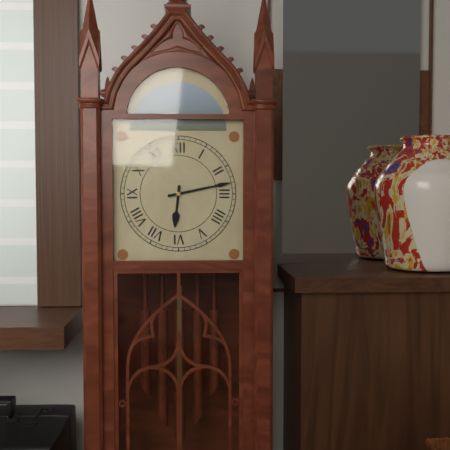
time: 6:13
